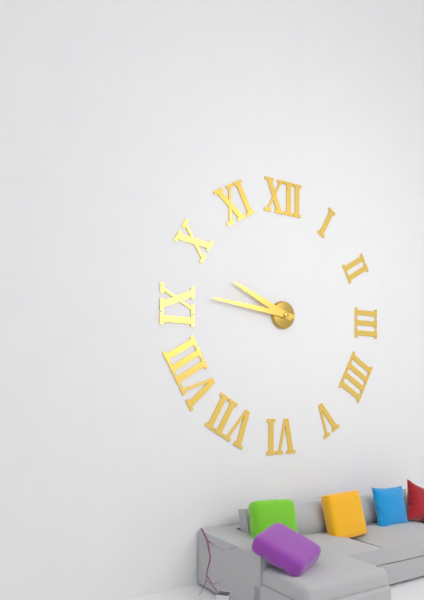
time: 9:46
